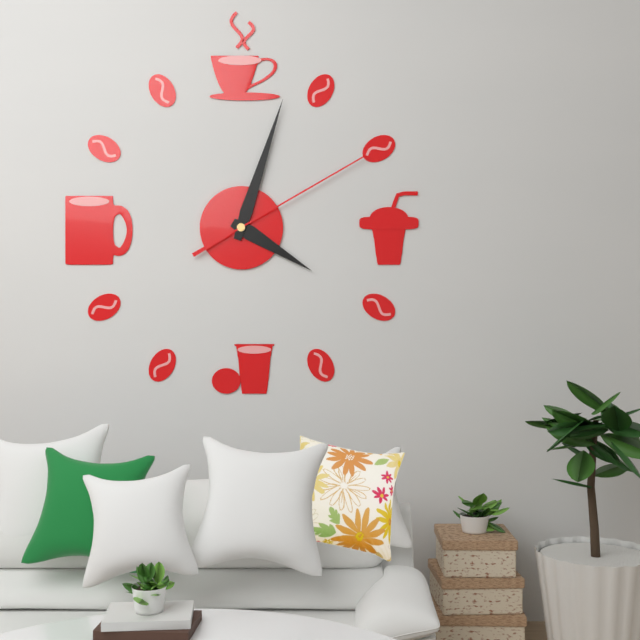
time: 4:03:10
